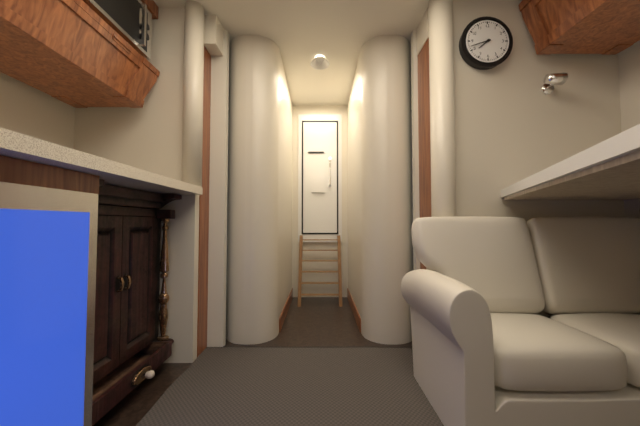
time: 7:42
